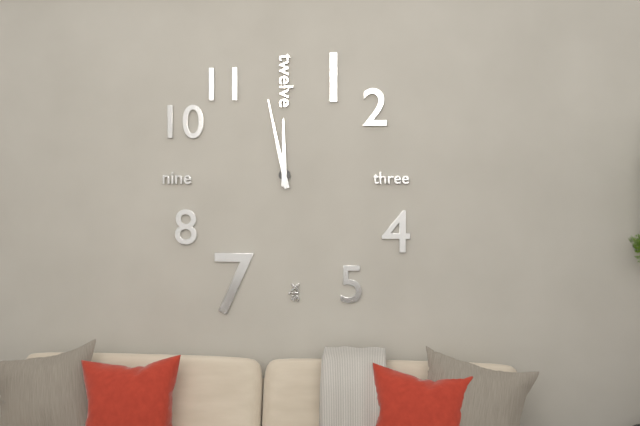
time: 11:58
